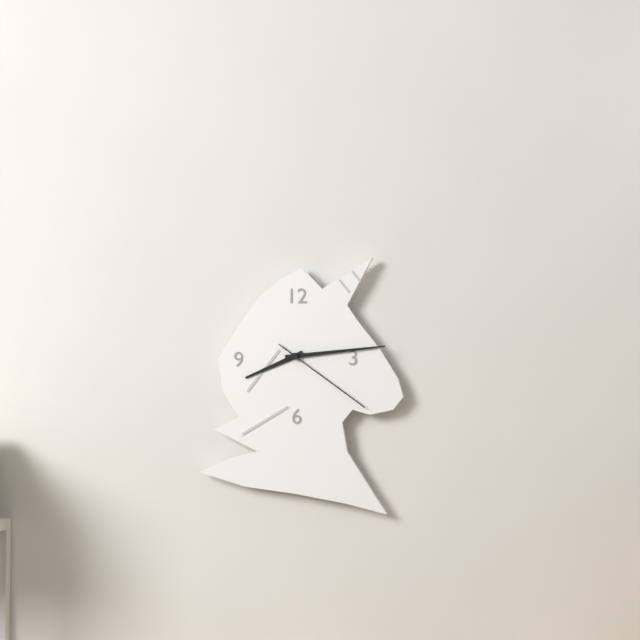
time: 8:14:21
